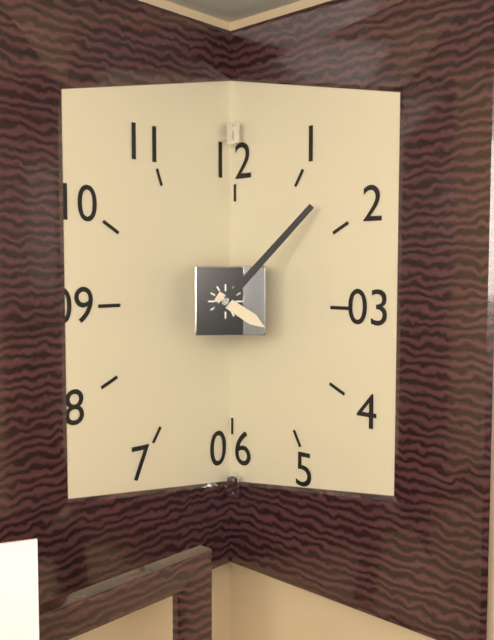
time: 4:07
